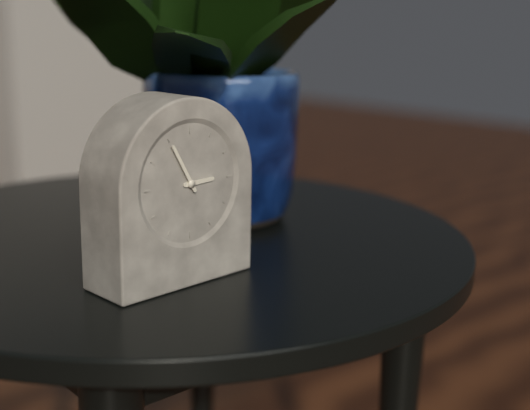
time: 2:55
